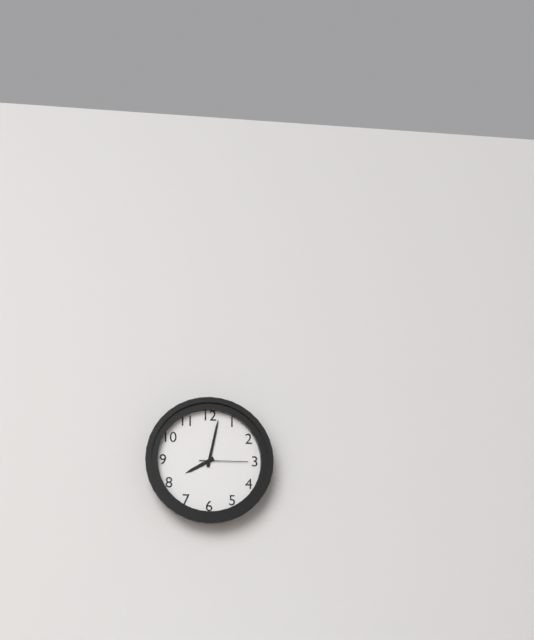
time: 8:02
